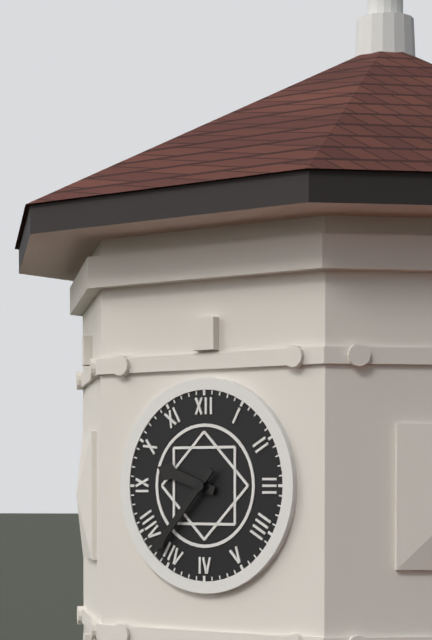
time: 9:37
